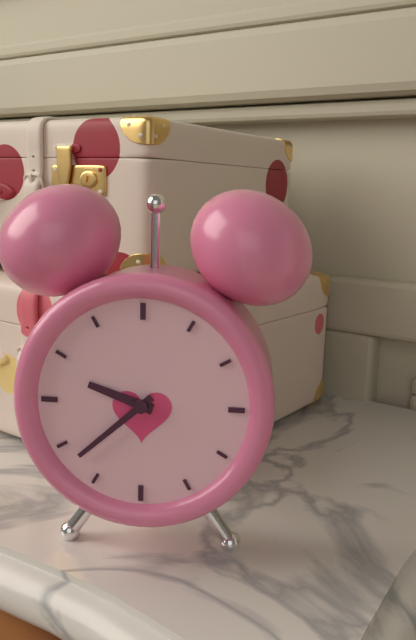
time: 9:38
